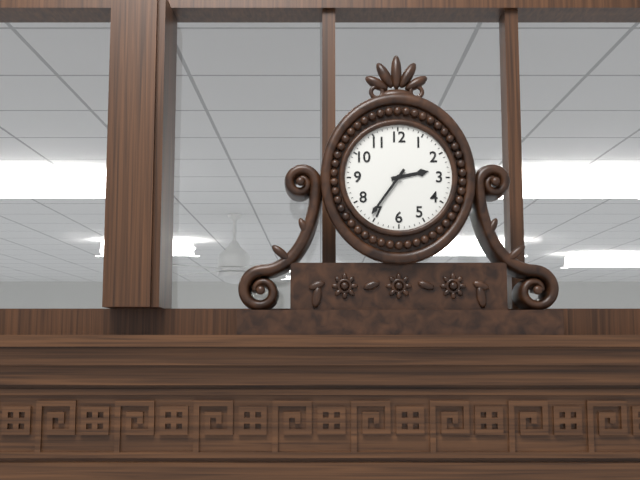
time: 2:36
